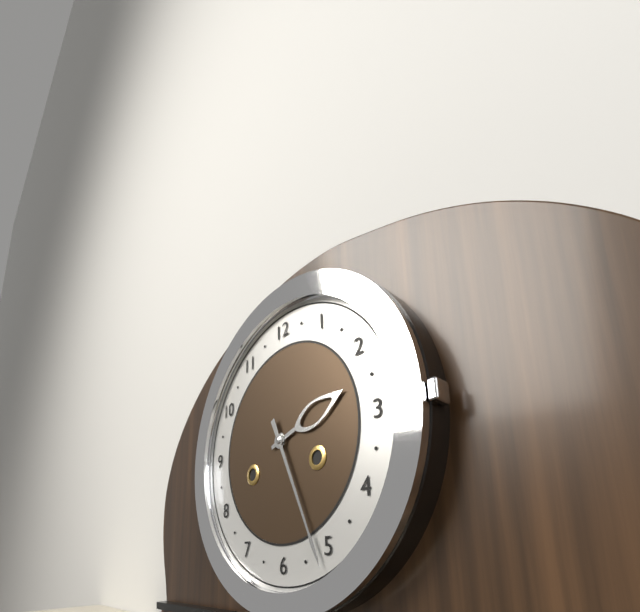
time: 2:26
